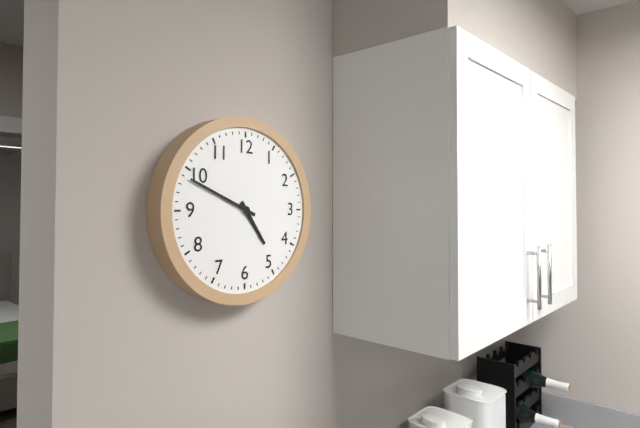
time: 4:49
